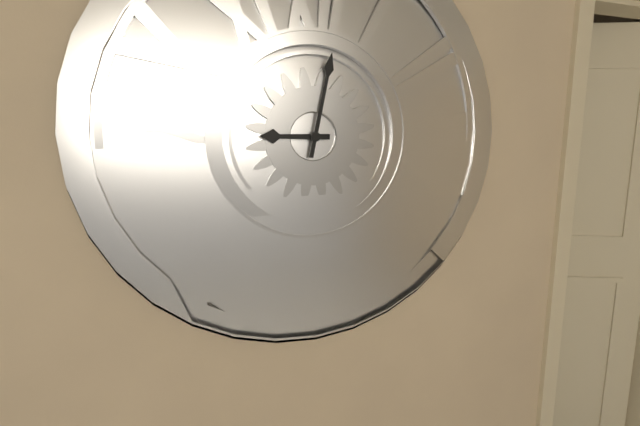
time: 9:02
